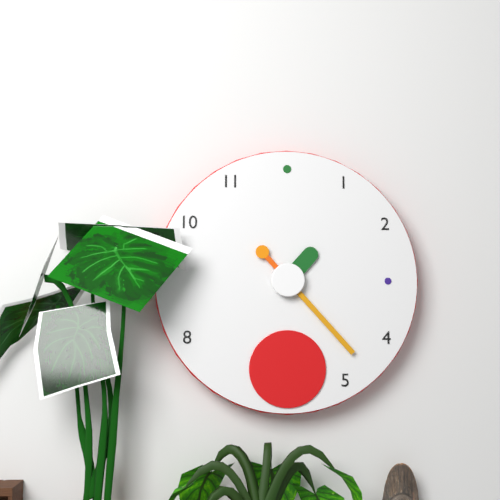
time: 1:23
